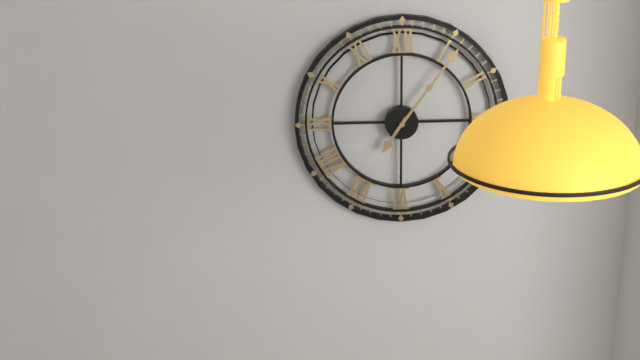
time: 7:06
